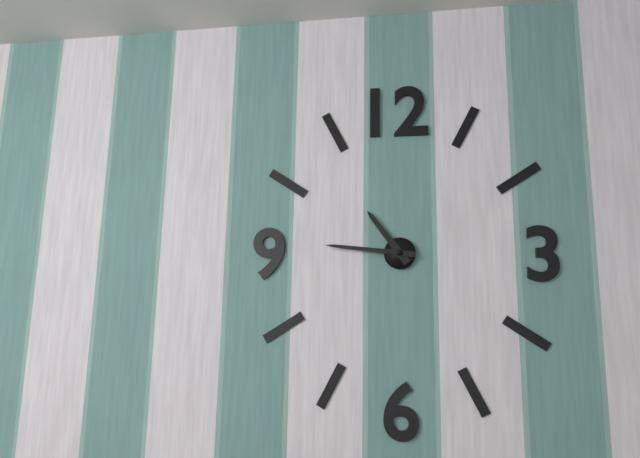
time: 10:46
